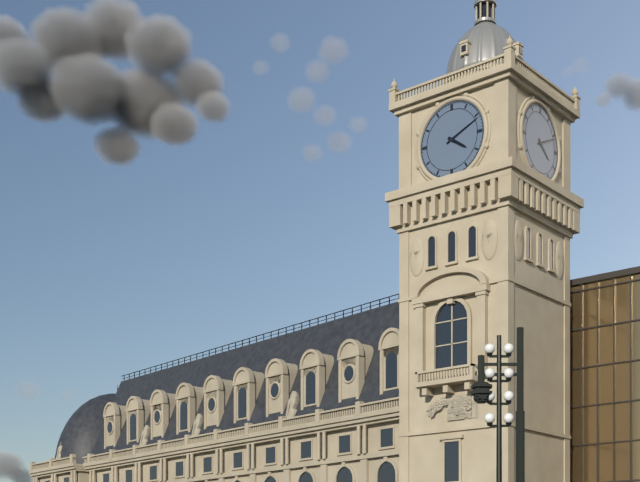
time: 4:11
